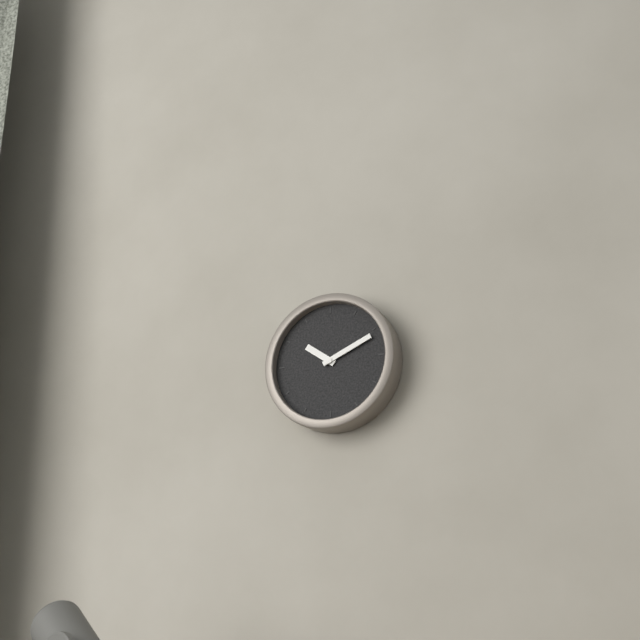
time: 10:11
